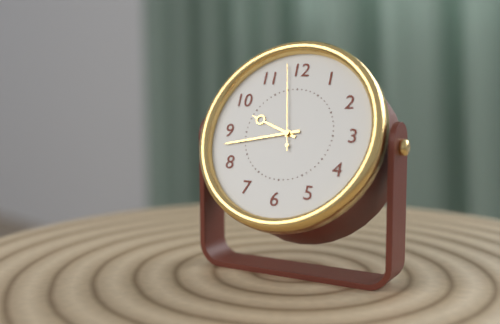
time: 9:43:58
